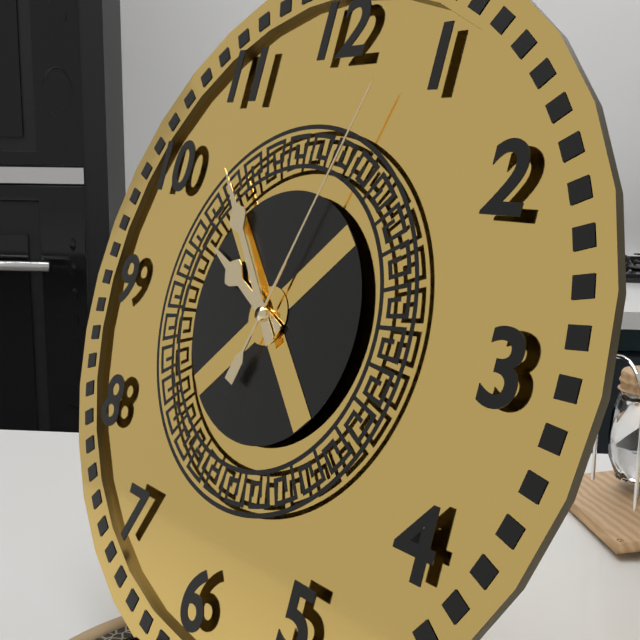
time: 9:53:03
